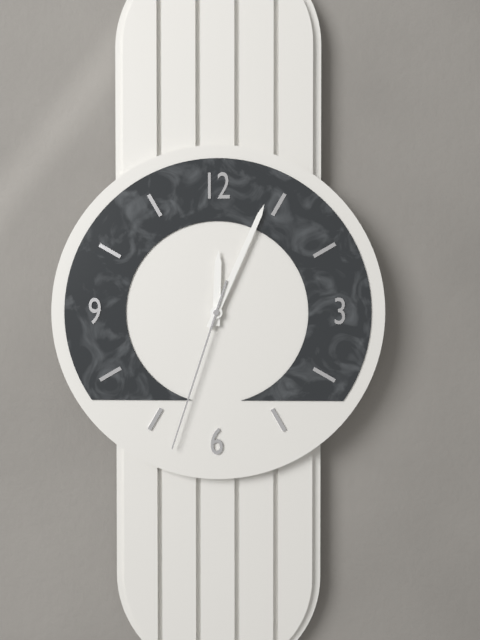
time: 12:04:33
